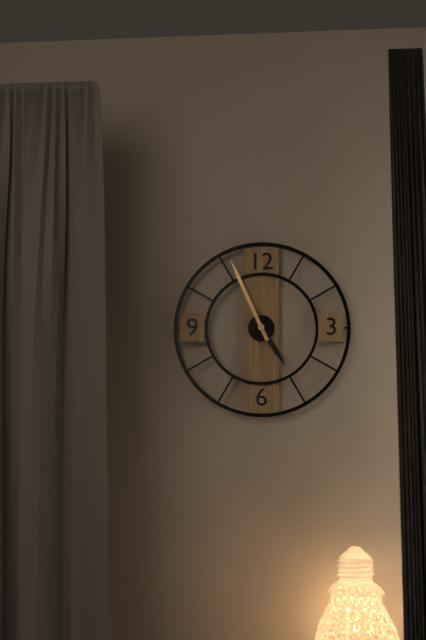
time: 4:56
